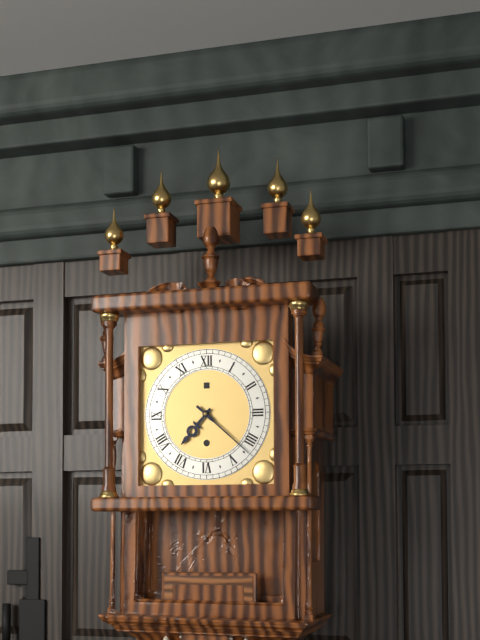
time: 7:22
